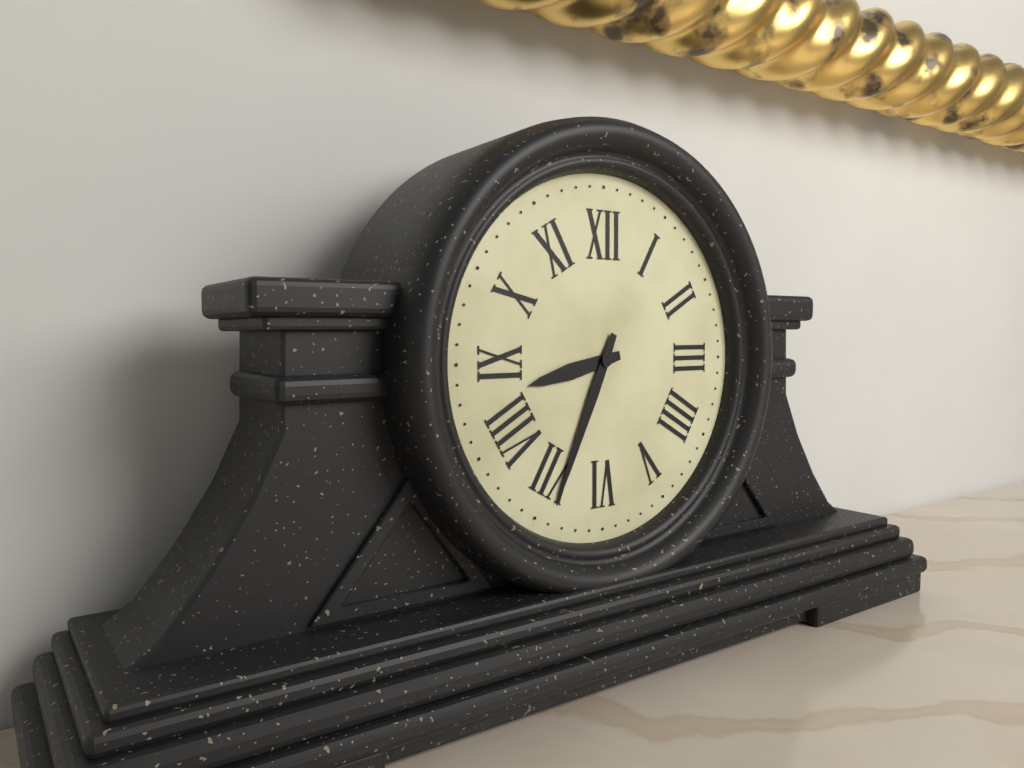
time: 8:34
